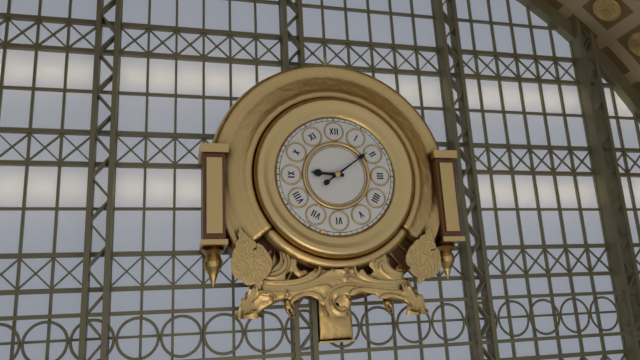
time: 9:09
